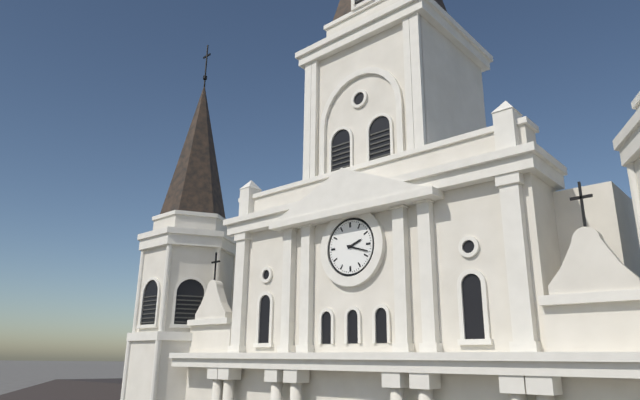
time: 2:18
